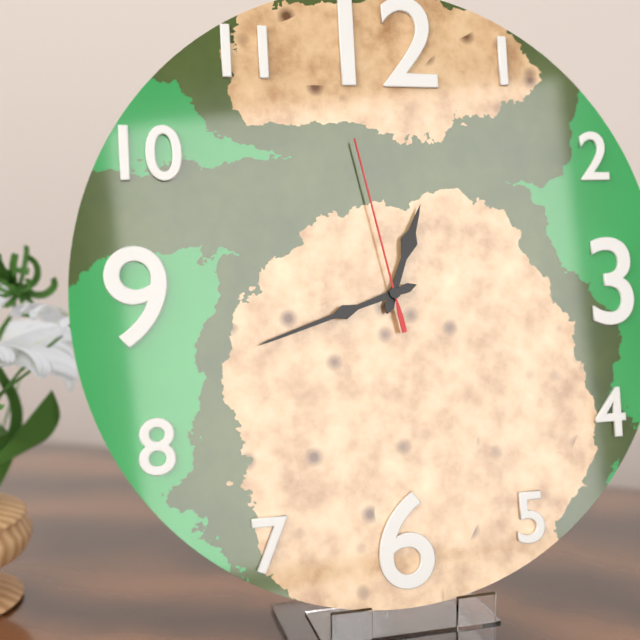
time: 12:42:58
